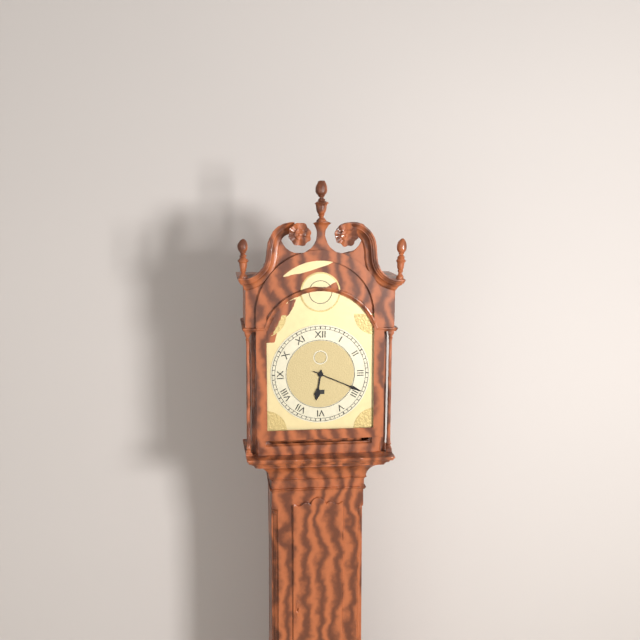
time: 6:19
